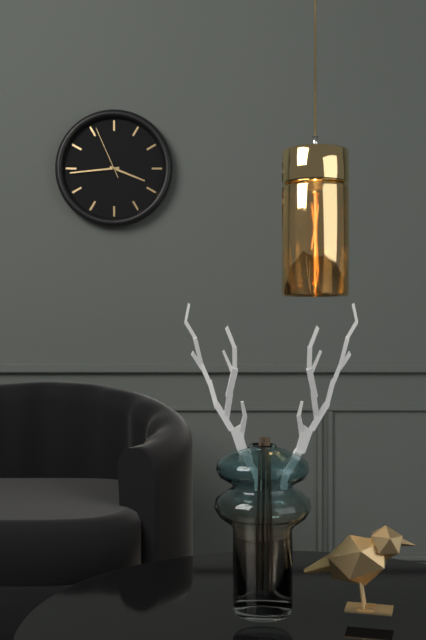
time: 3:44:56
